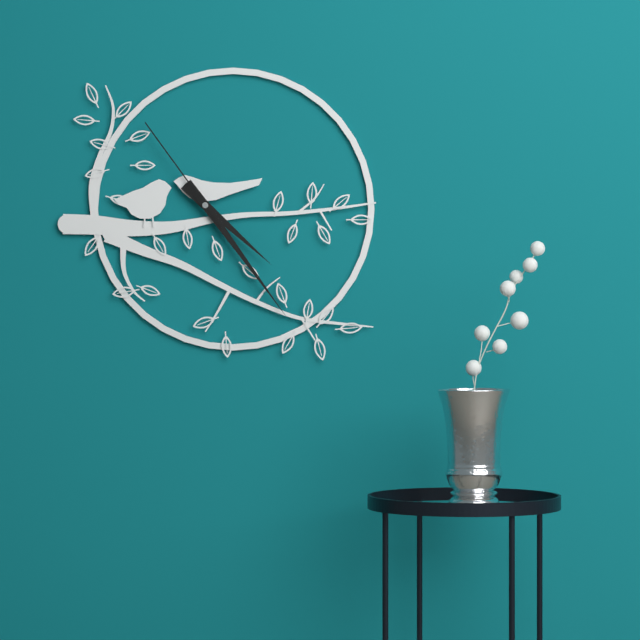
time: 4:24:54
